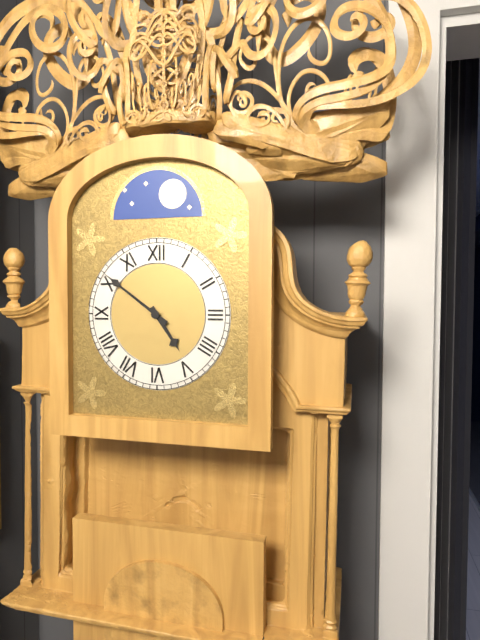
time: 4:51
